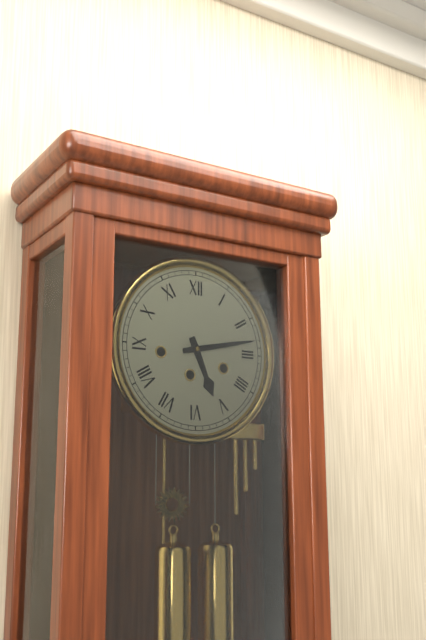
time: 5:13
